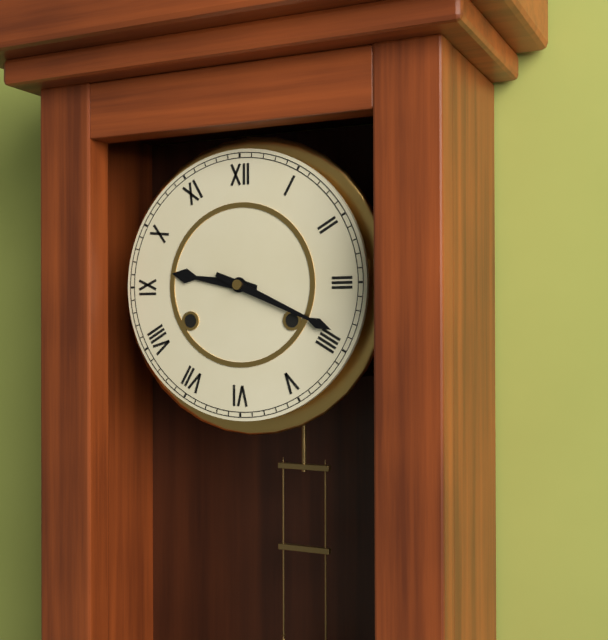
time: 9:19
